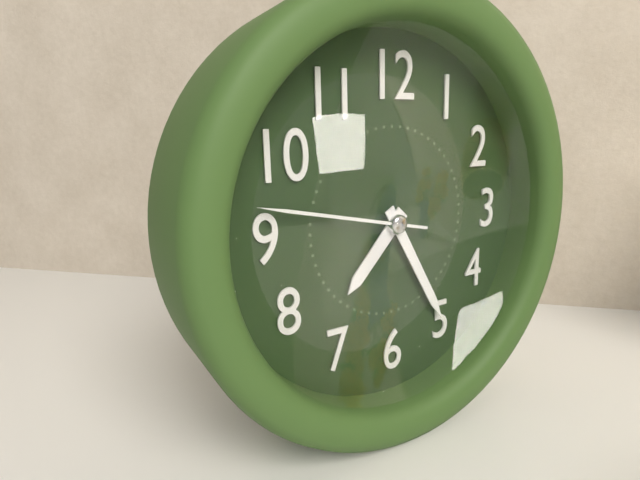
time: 7:25:47
